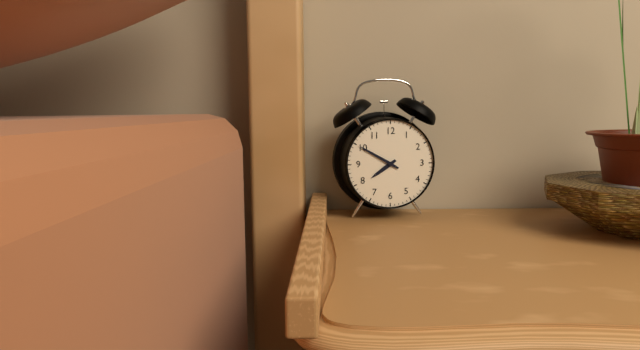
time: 7:50
